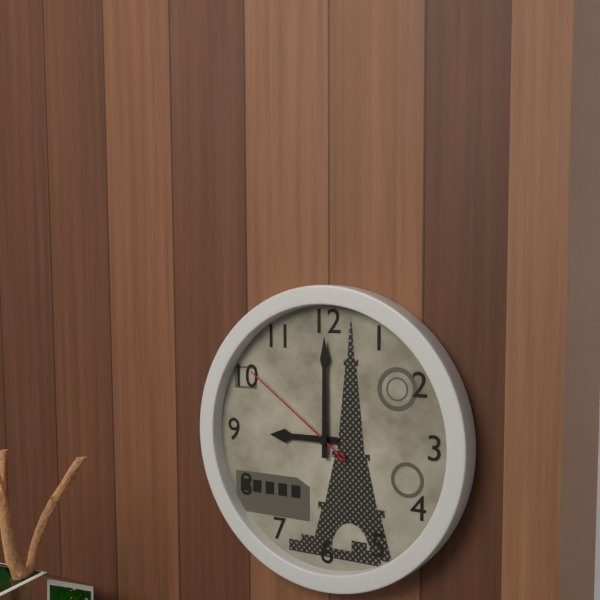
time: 9:00:51
